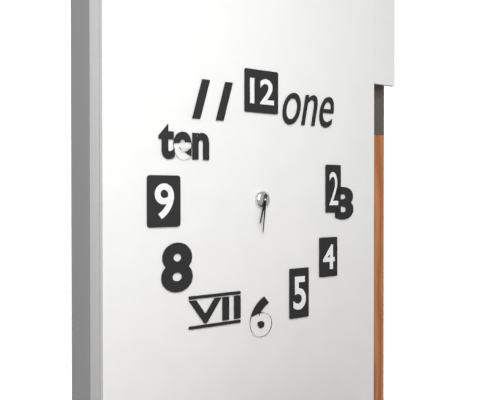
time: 6:31
